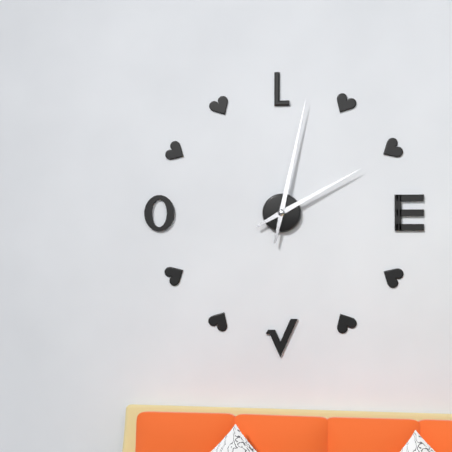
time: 2:02
